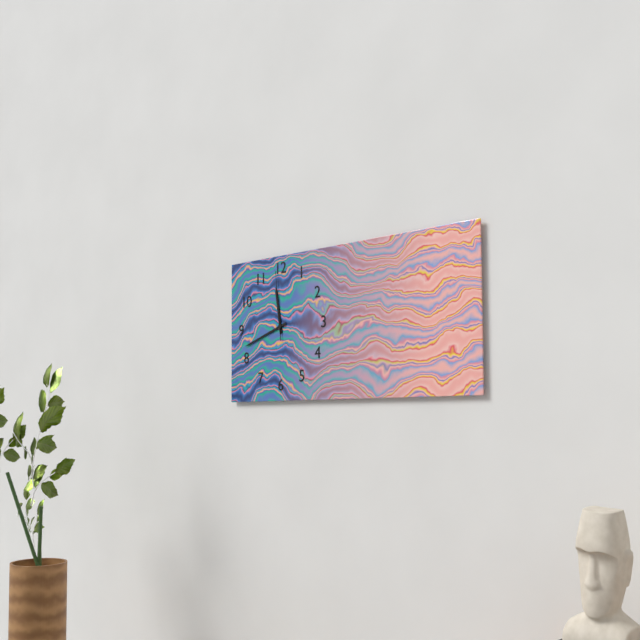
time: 11:42:59
